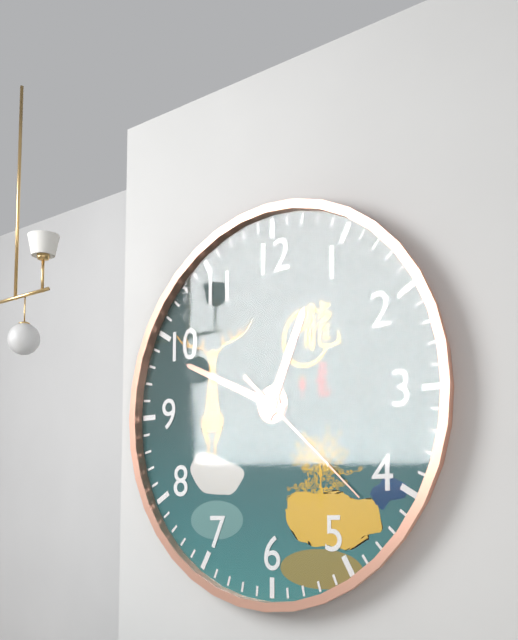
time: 12:49:22
